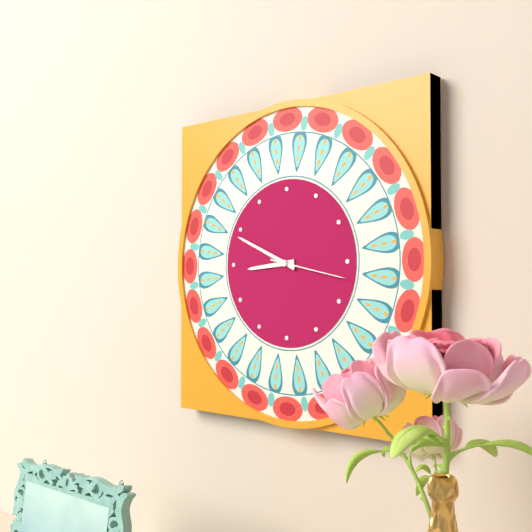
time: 8:49:17
